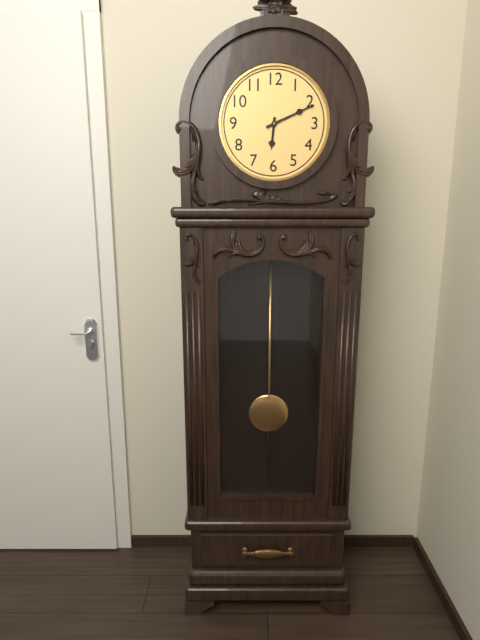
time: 6:11
